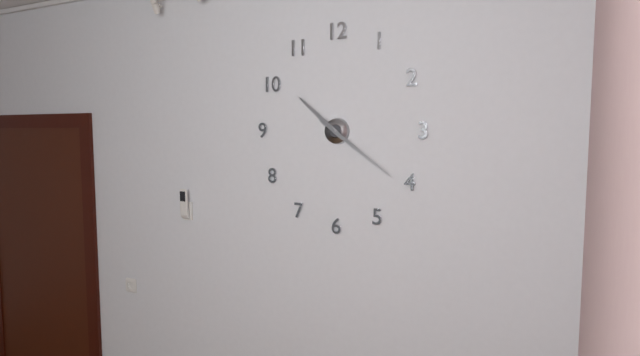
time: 10:21
